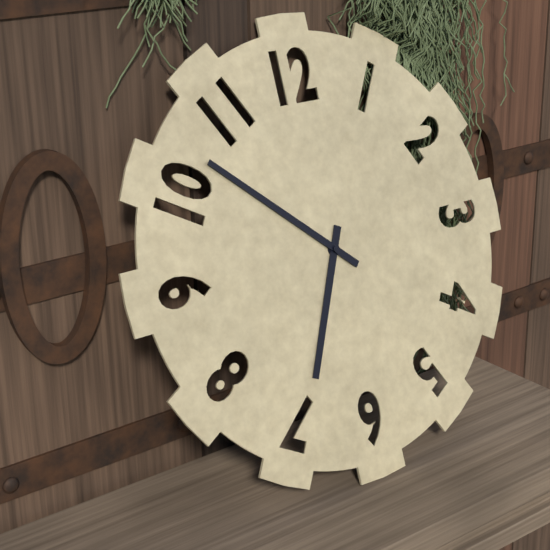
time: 6:52
